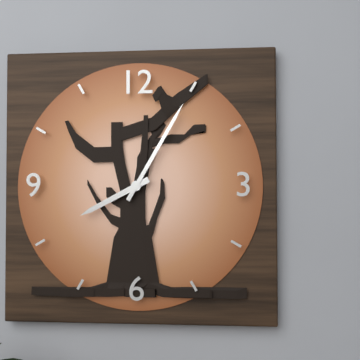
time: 8:05
